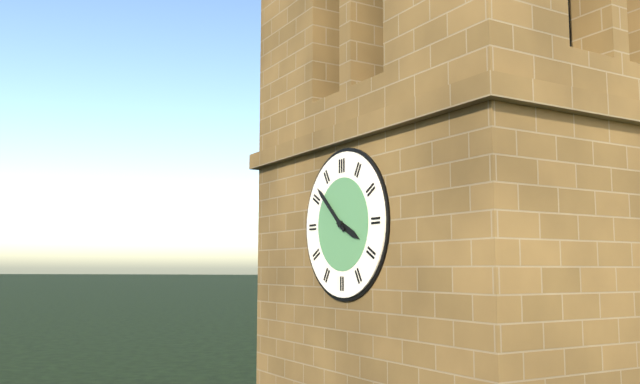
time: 3:52
